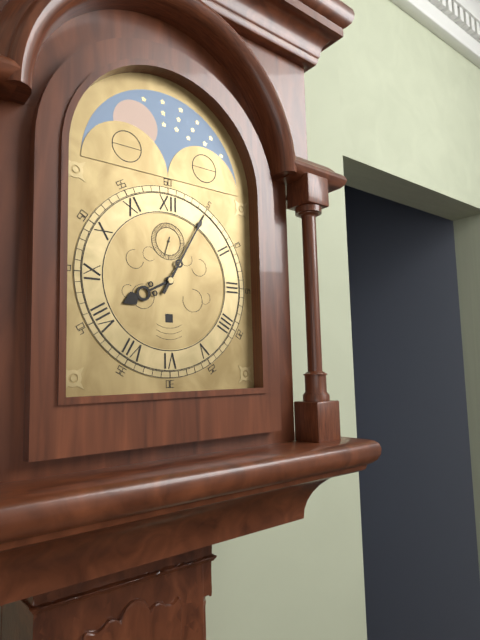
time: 8:05
